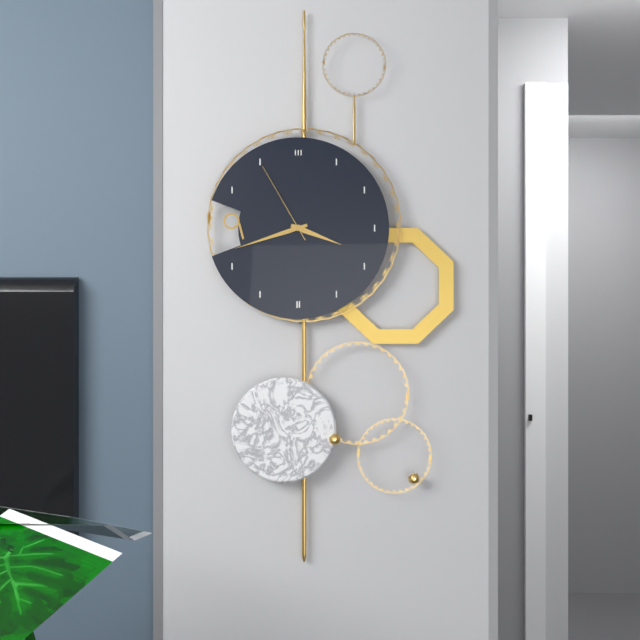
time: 3:42:55
